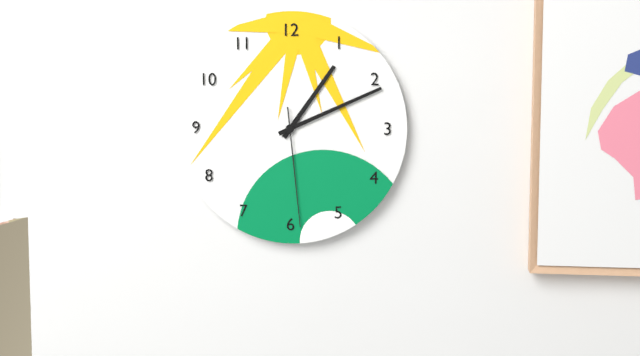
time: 1:11:29
